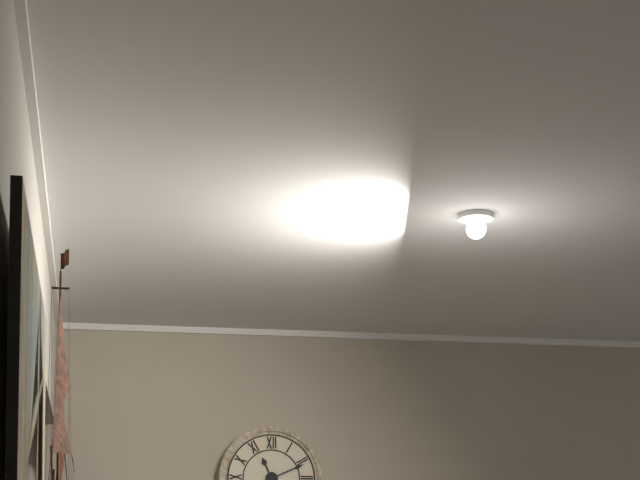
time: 11:11
